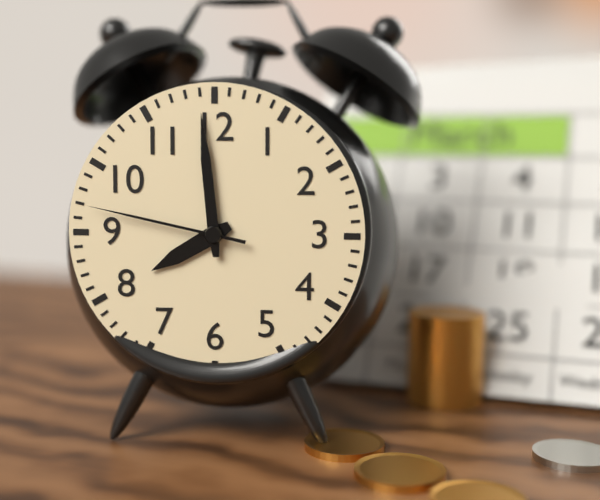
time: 7:59:47
